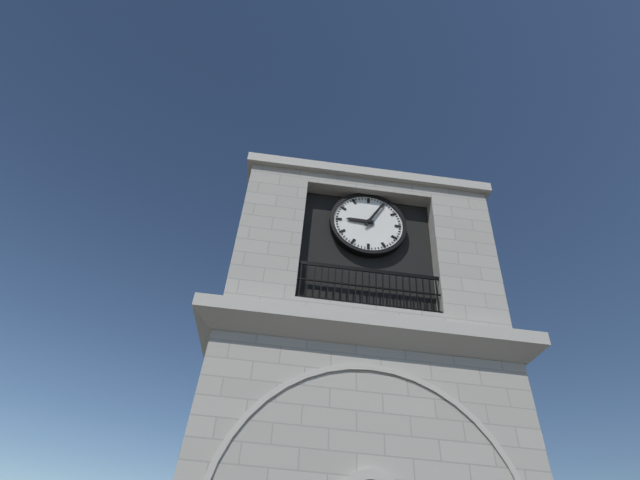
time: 9:05
